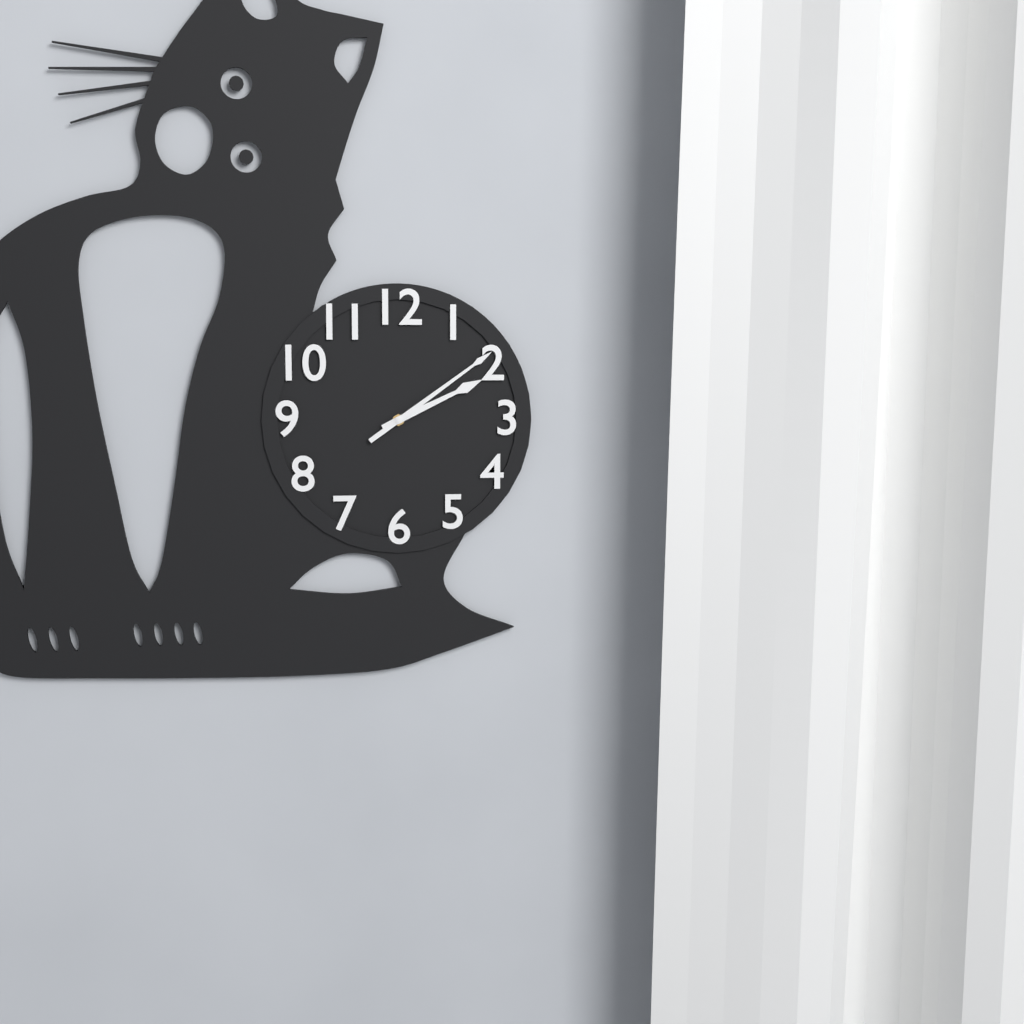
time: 2:09
